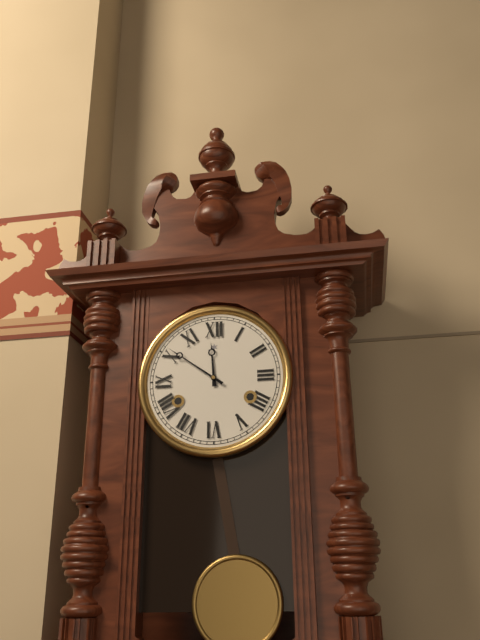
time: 11:51
